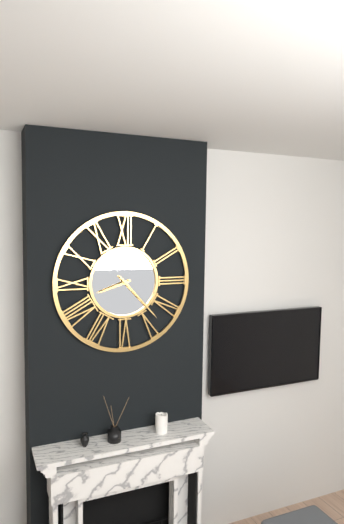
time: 8:23
